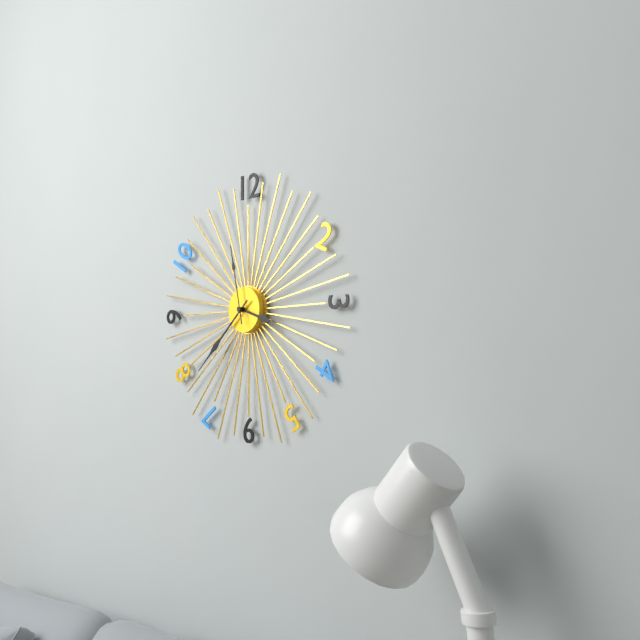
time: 3:38:58
